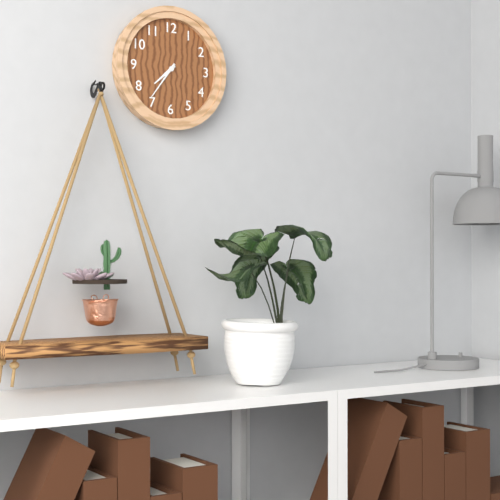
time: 7:36
